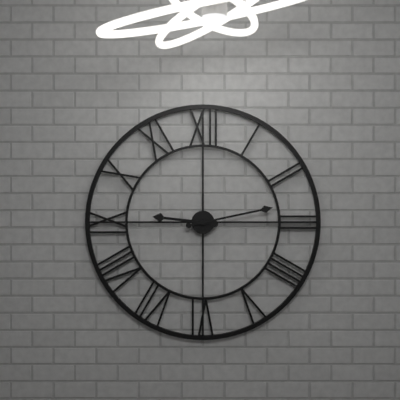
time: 9:13
